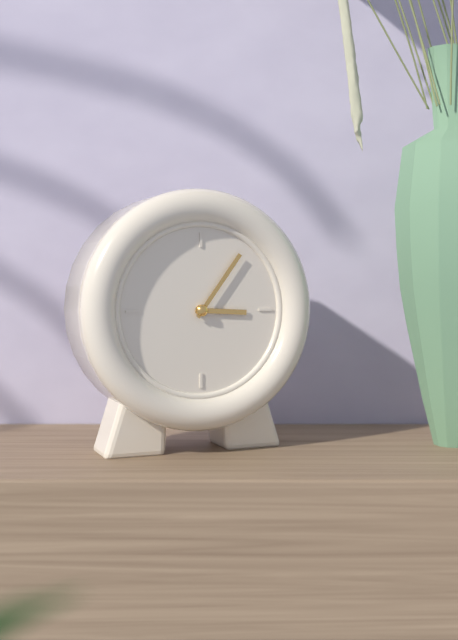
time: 3:06
